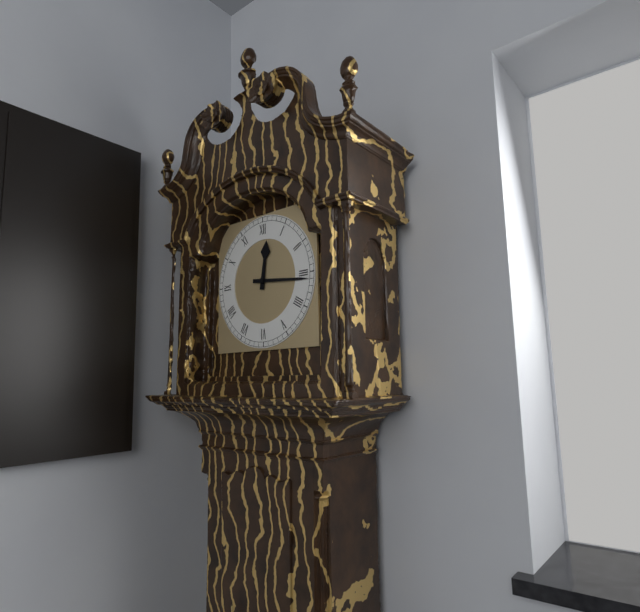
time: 12:16
